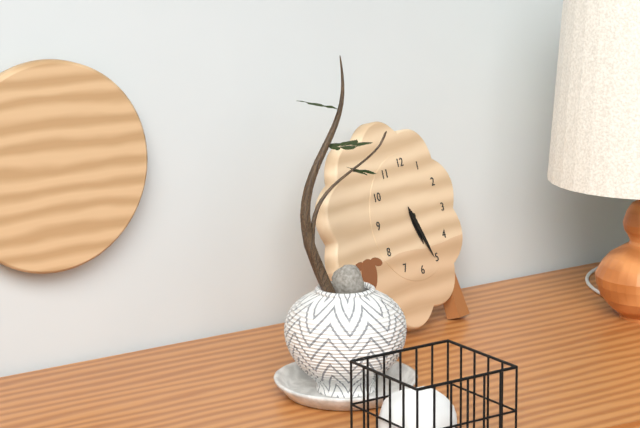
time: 5:26
